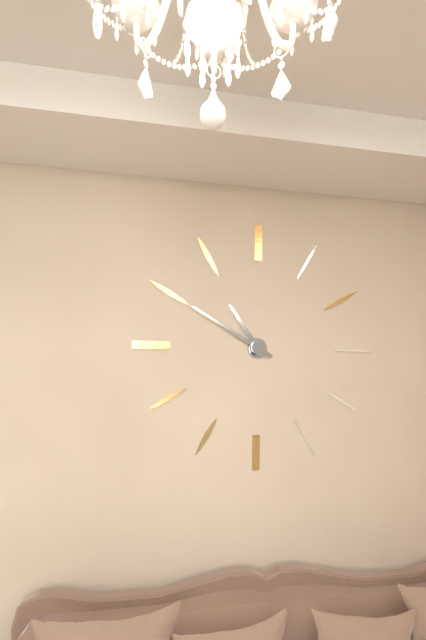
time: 10:50
